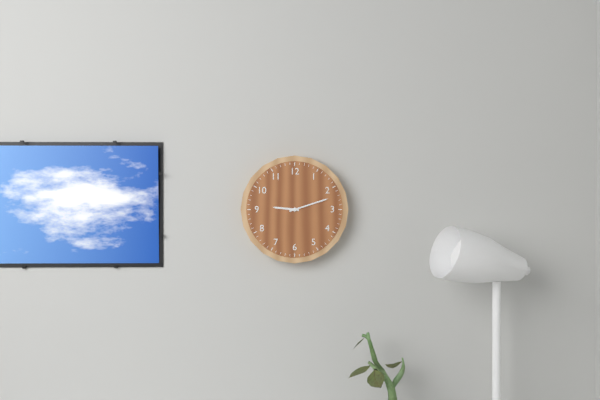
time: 9:12
